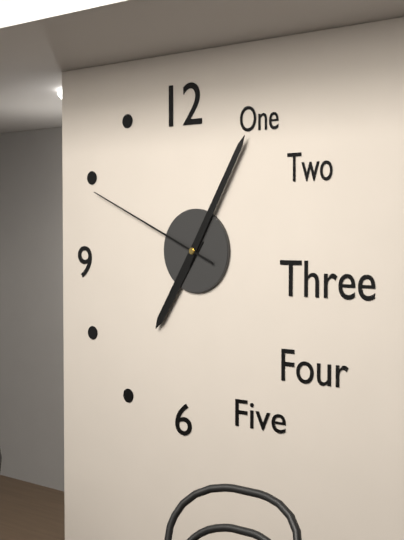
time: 7:05:49
